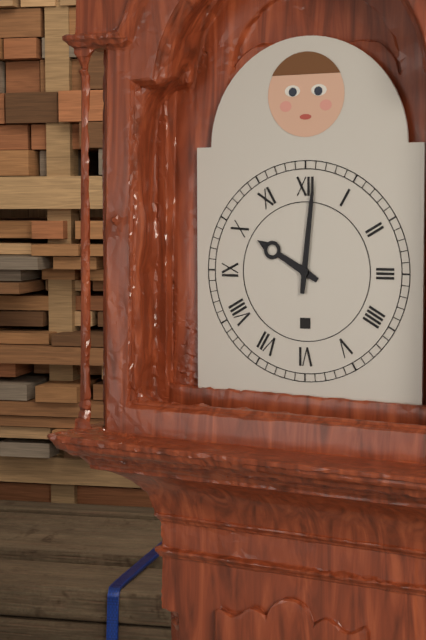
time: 10:01
